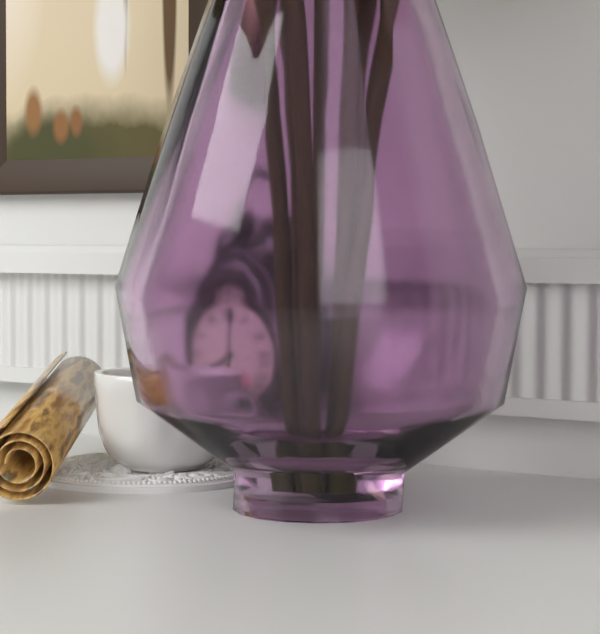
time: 8:01
